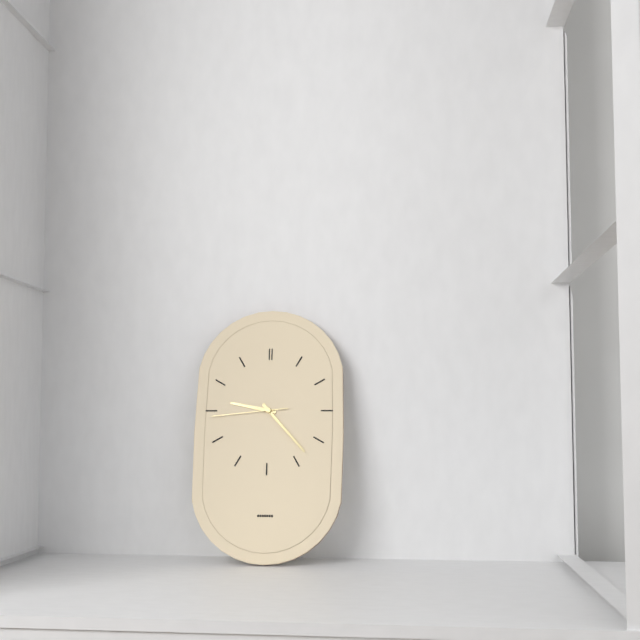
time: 9:23:44
